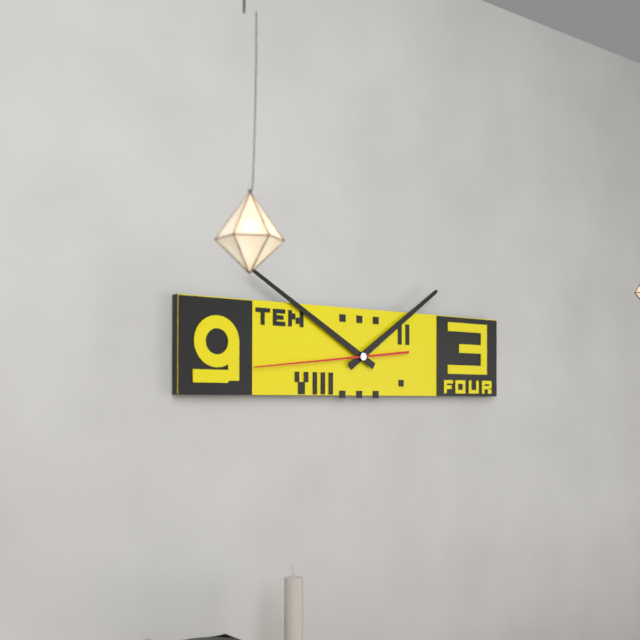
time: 1:50:44
